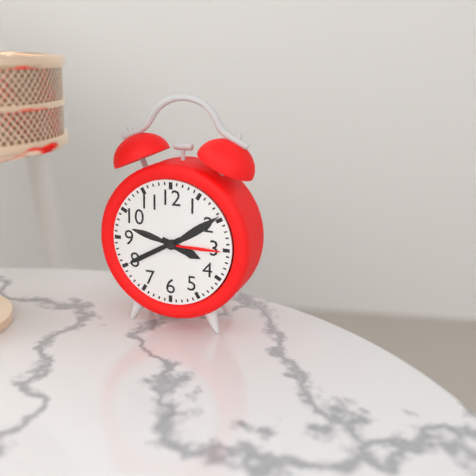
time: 3:40
